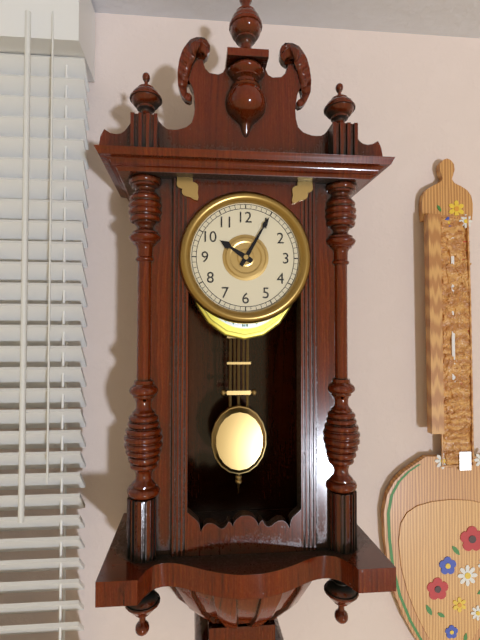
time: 10:05
